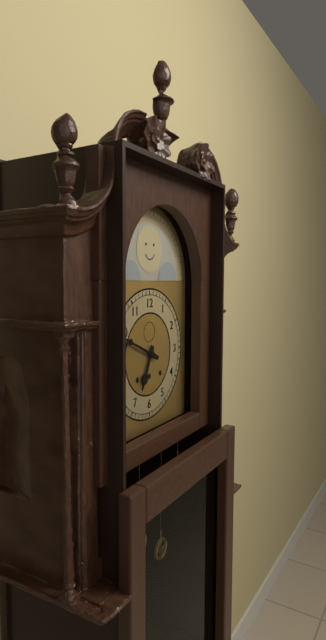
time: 6:49
